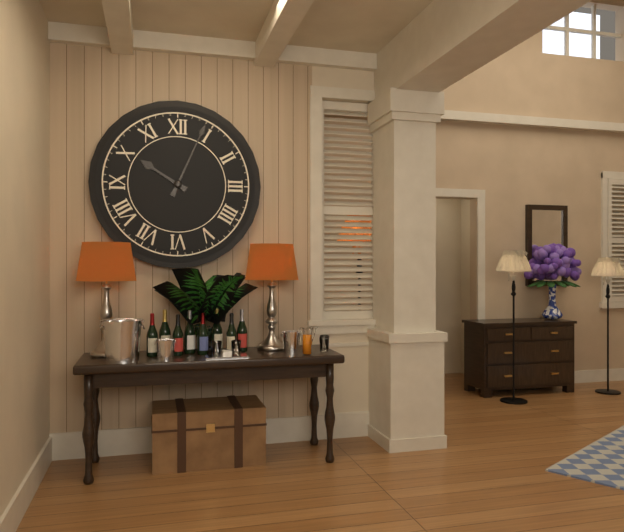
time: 10:04
